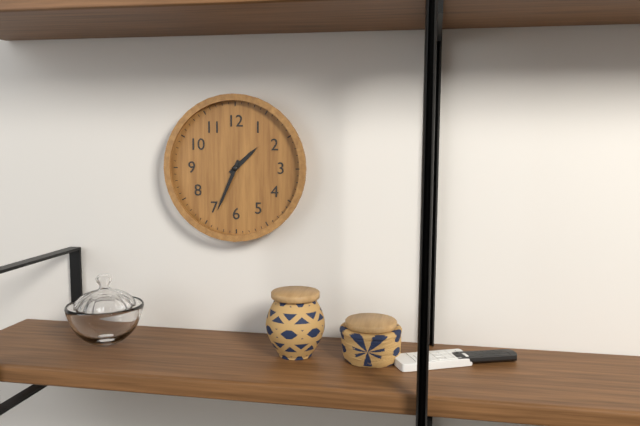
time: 1:34
